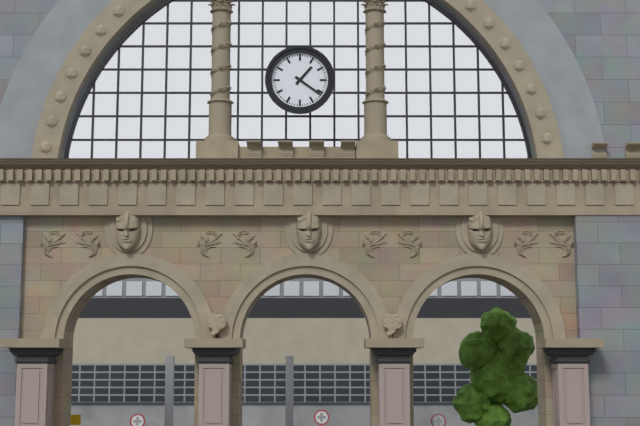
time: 1:21
